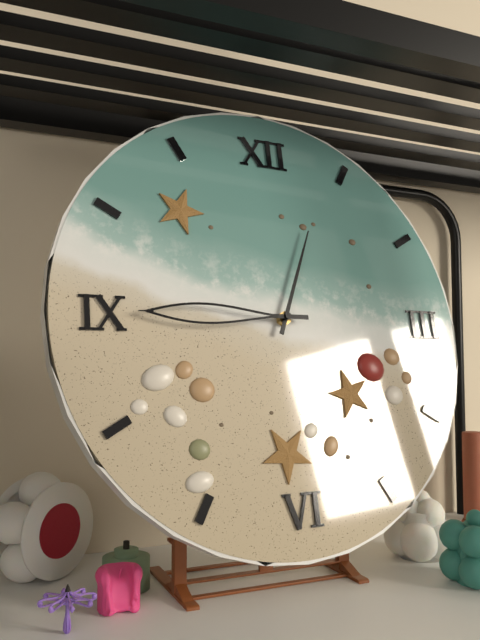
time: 12:45
